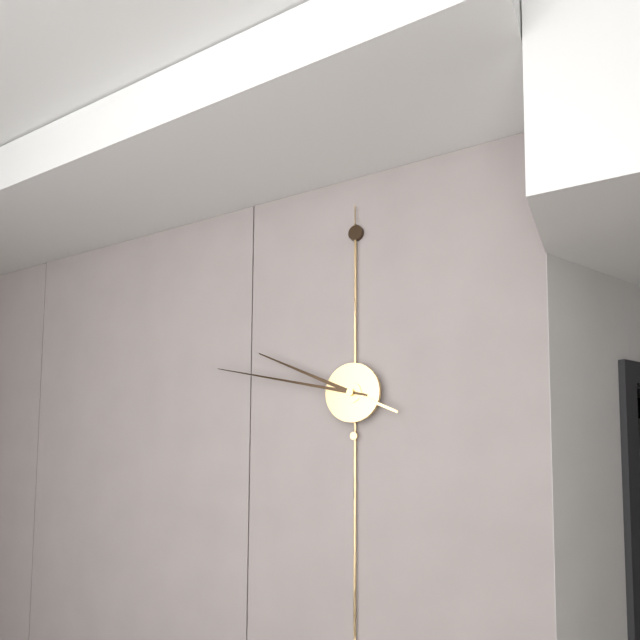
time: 9:47
